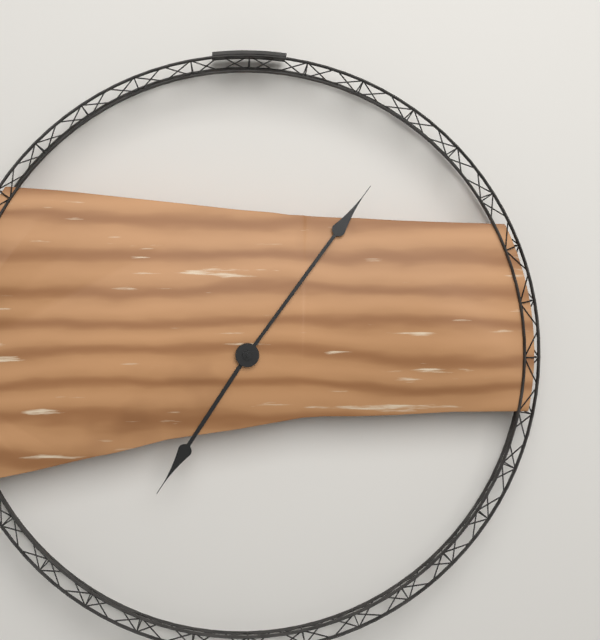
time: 7:06
